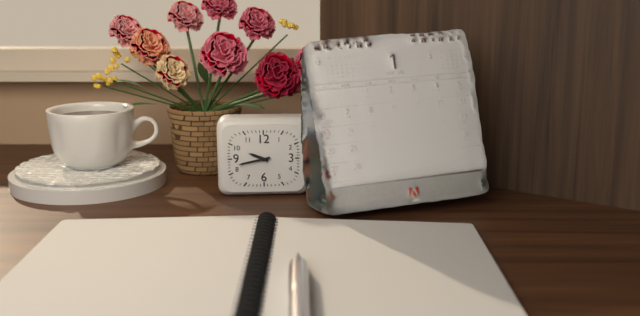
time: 9:43
